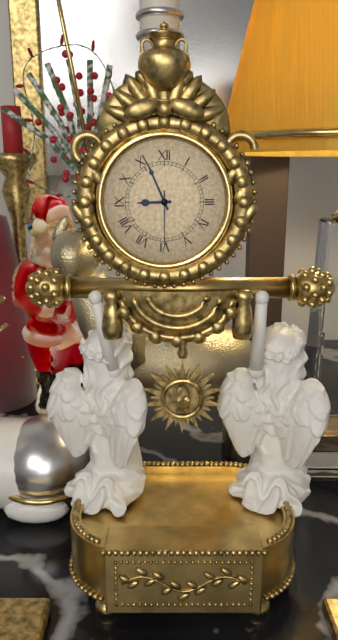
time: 8:56:30
